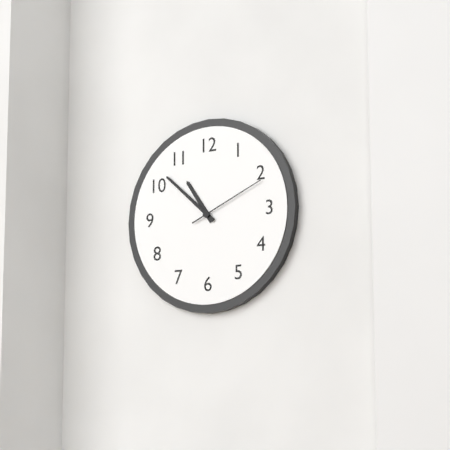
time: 10:52:11
